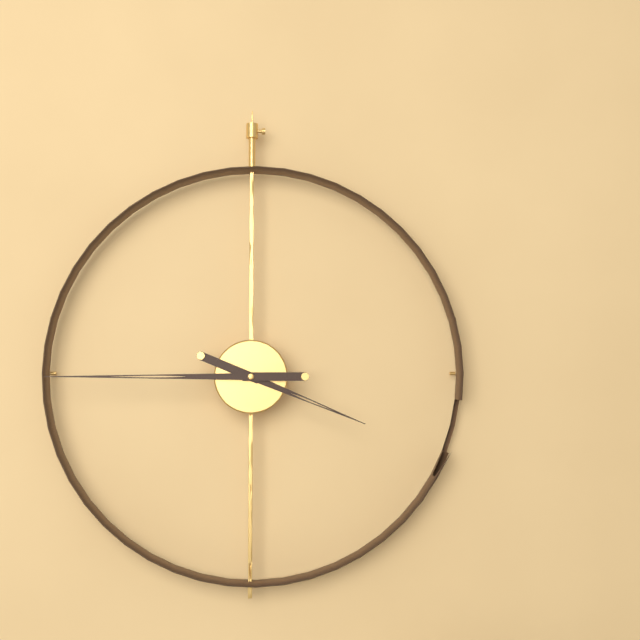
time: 3:45
